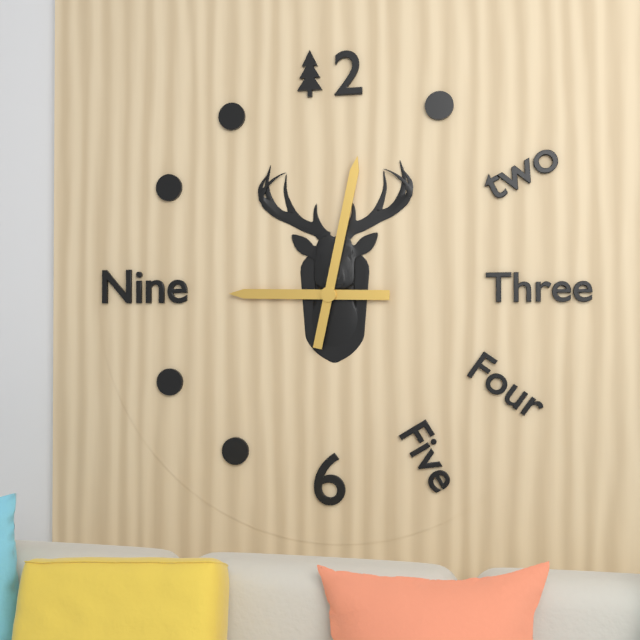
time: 9:02
